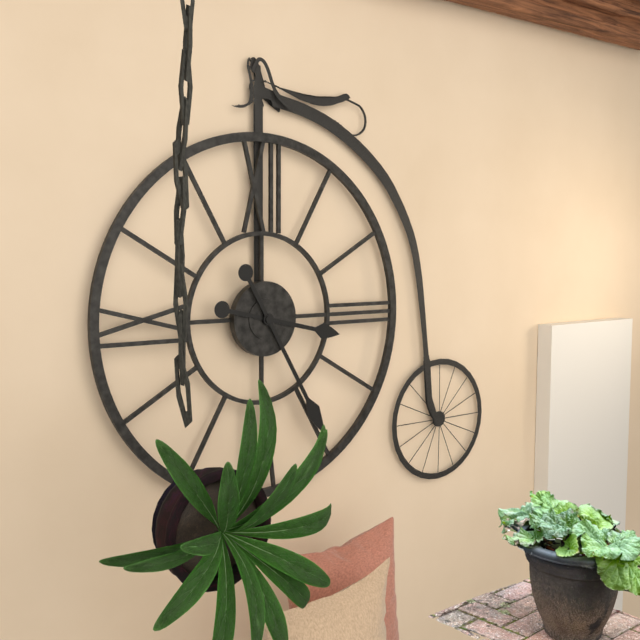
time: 3:25
